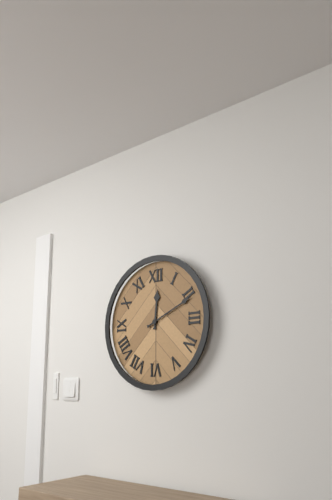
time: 12:11
